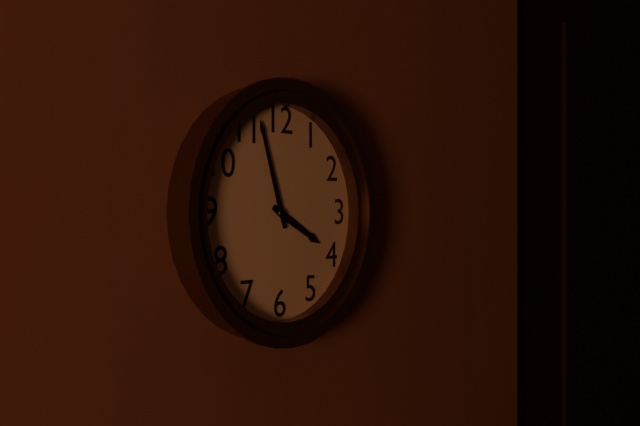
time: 3:57
